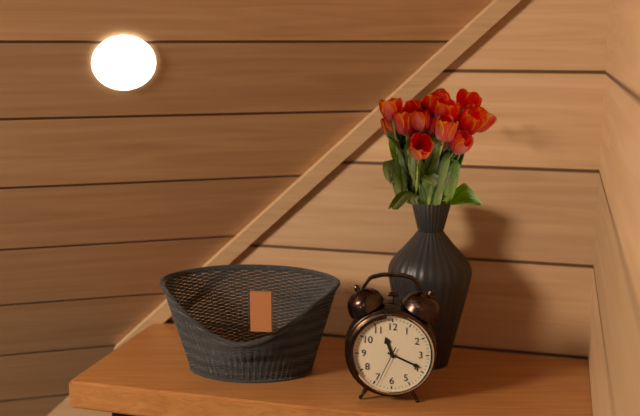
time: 11:19
